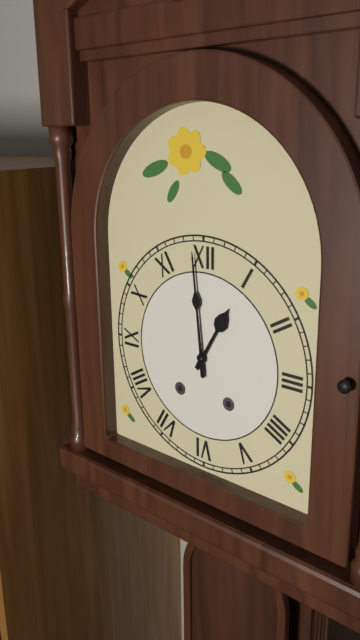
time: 12:59
